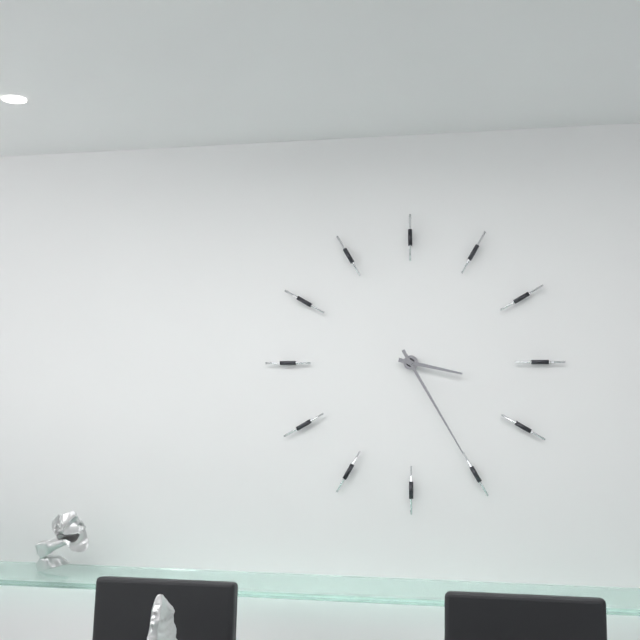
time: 3:25
